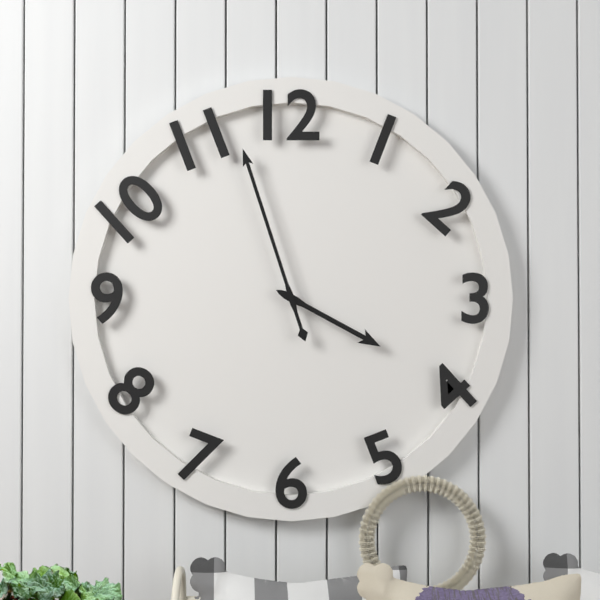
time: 3:57
